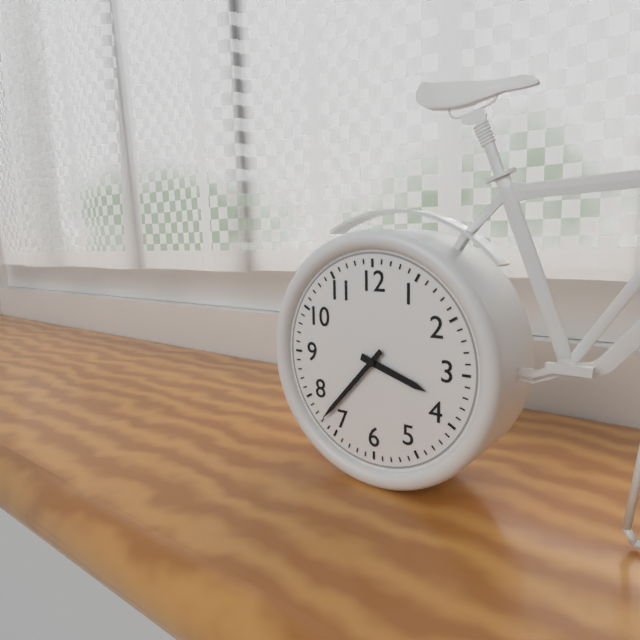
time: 3:37
